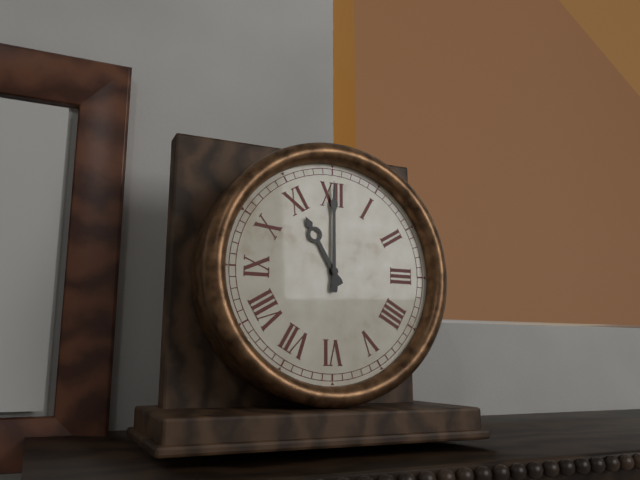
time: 11:00
